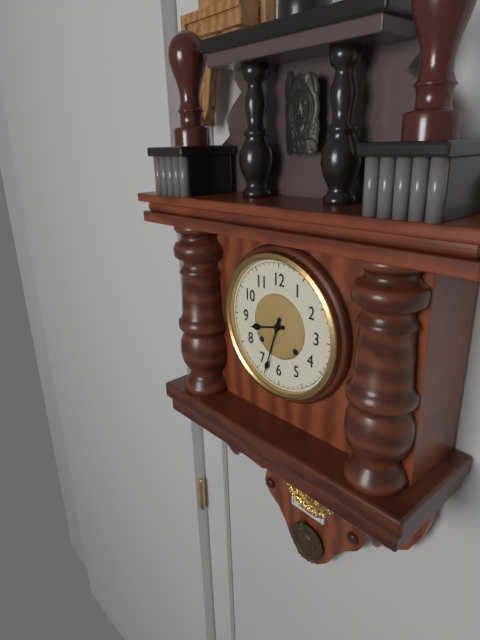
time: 8:33
